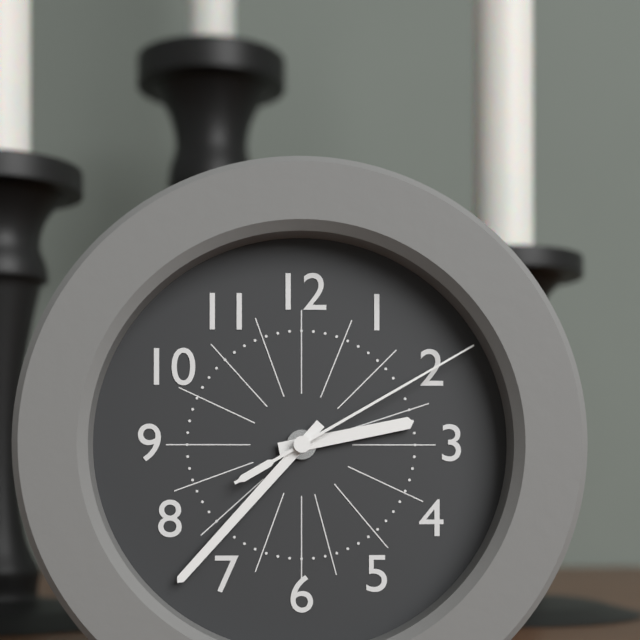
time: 2:37:10
